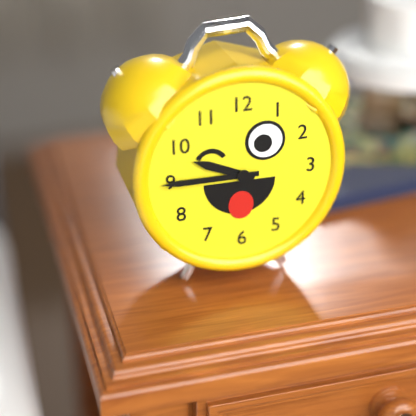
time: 9:45
